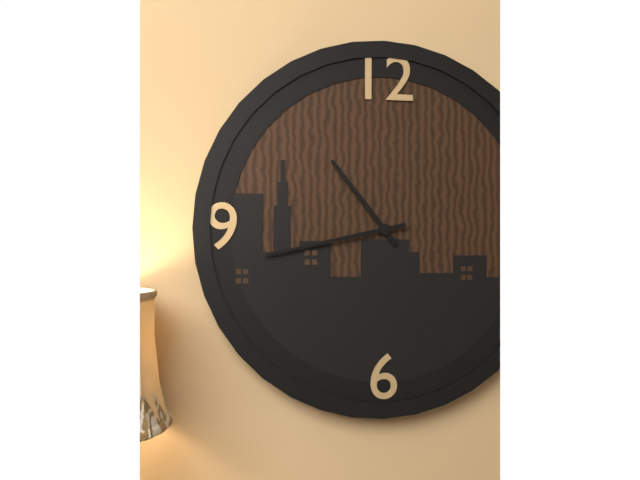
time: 10:43
